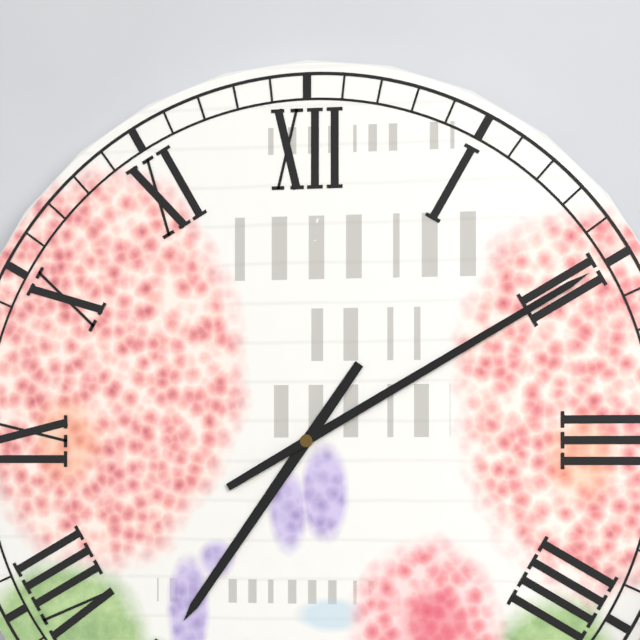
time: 7:10
